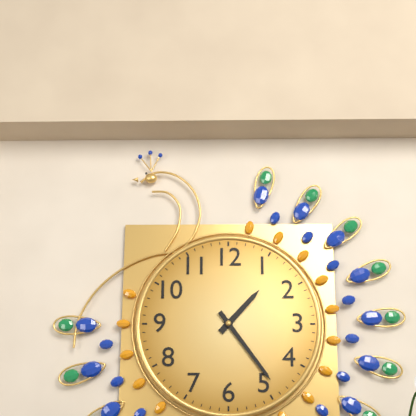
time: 1:24
